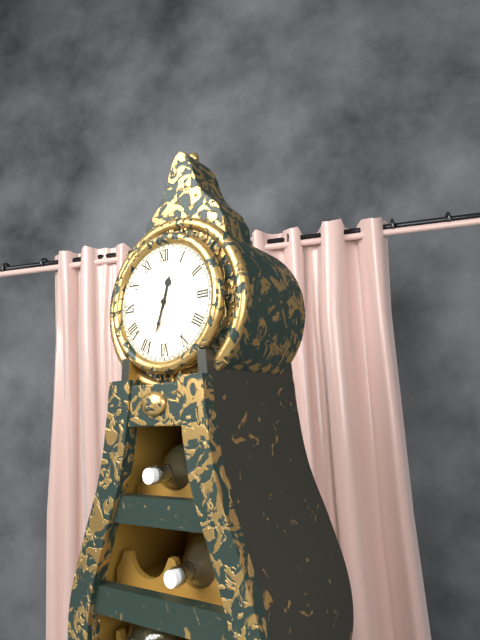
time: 12:33
